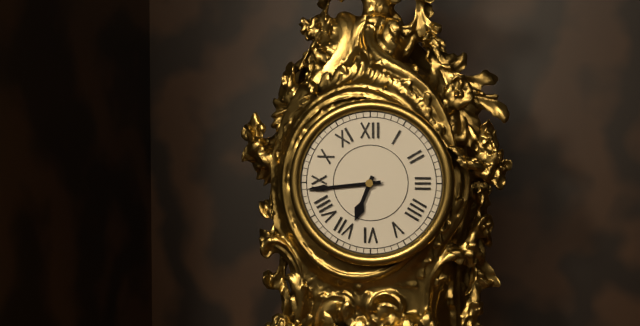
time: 6:44
